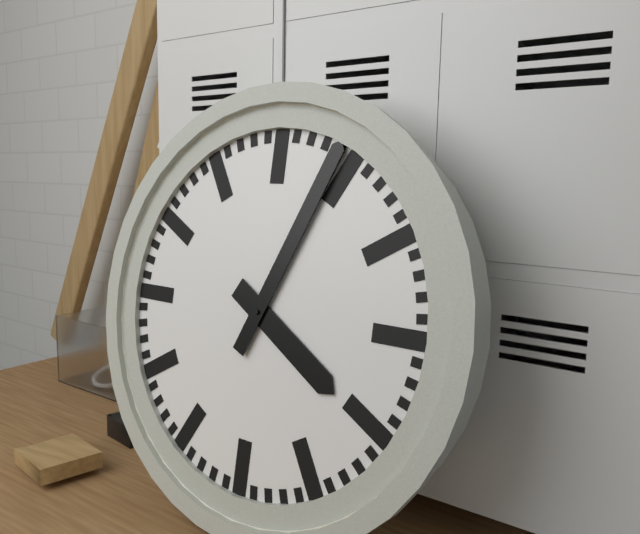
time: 4:04
